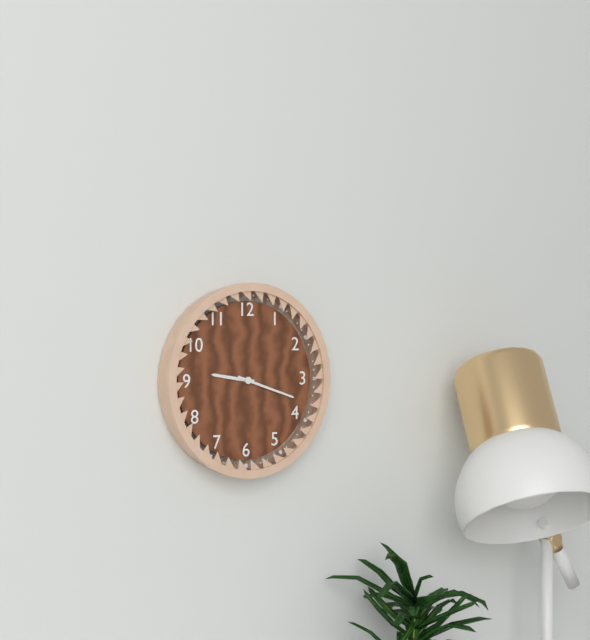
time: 9:18
